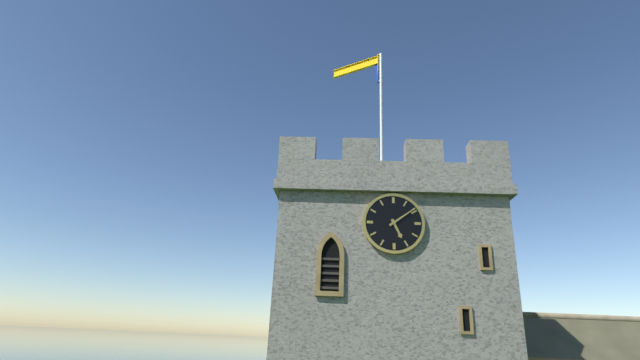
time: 5:09
